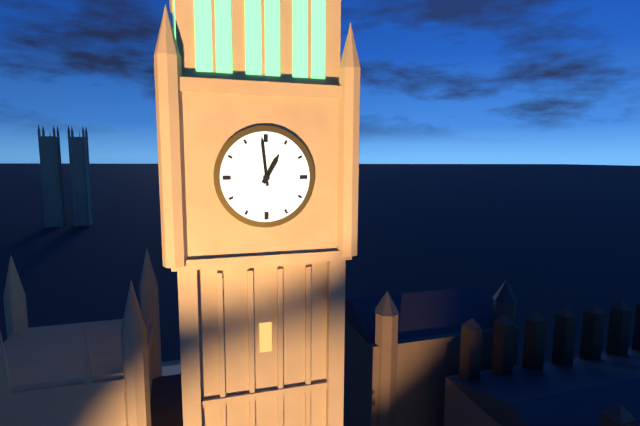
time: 12:59
